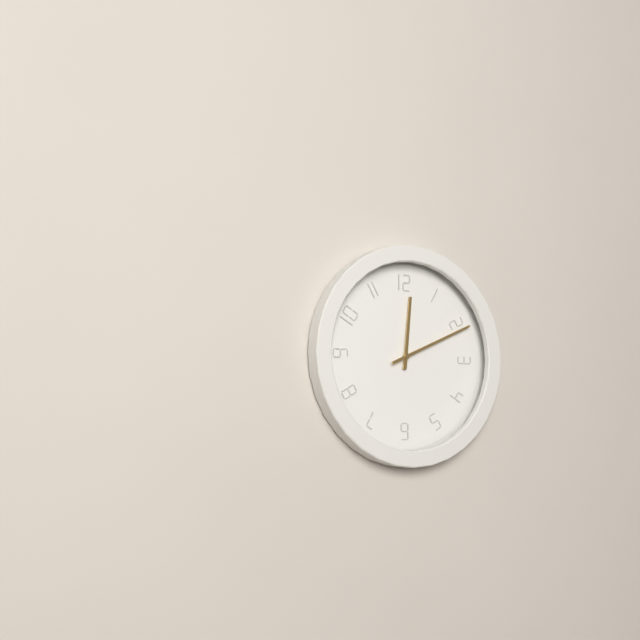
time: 12:11
